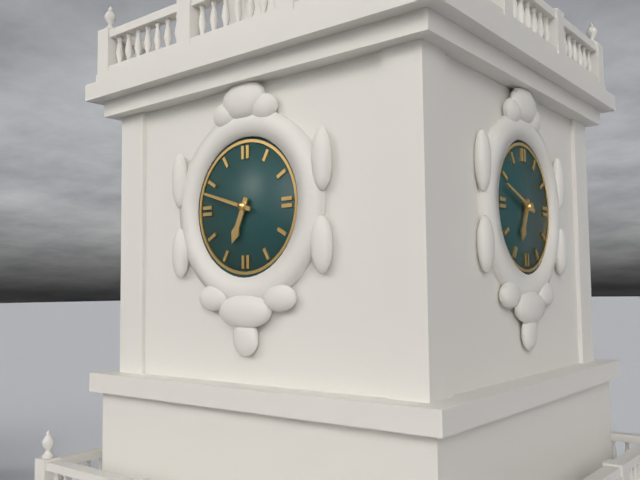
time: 6:48
